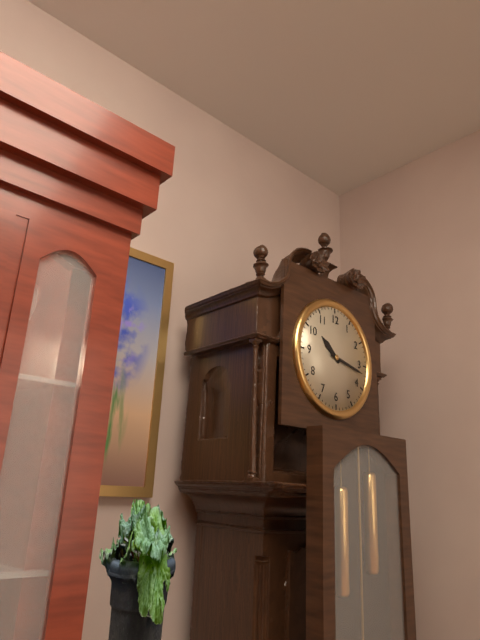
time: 10:17
